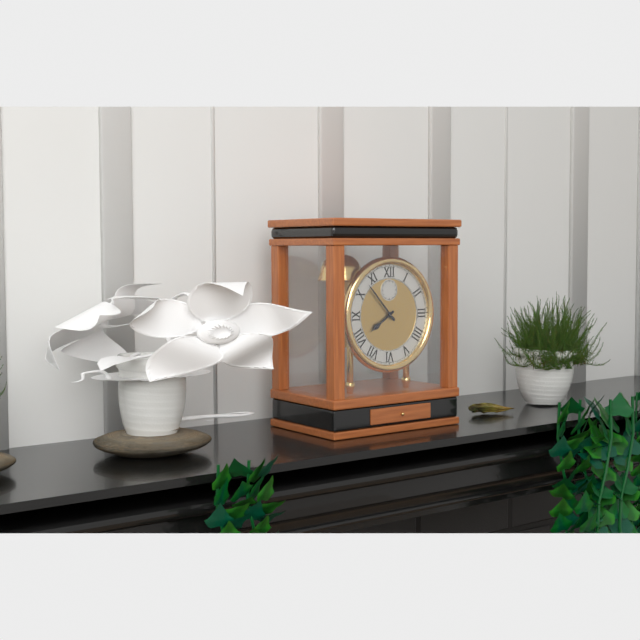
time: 7:53
